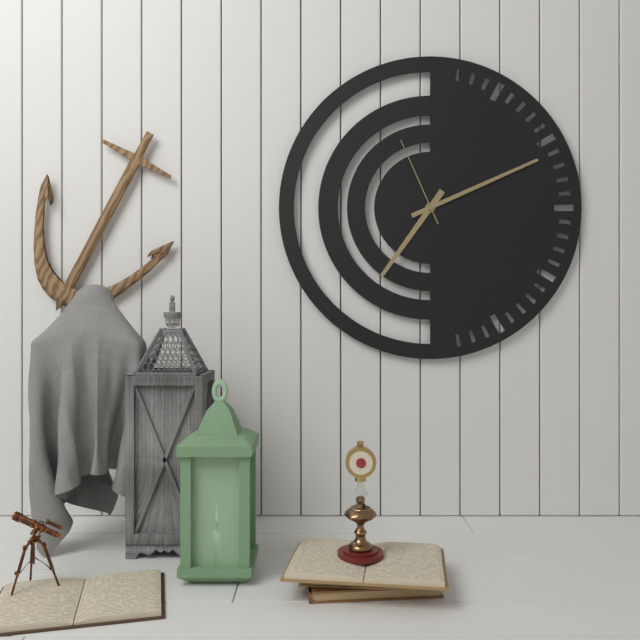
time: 7:11:56
